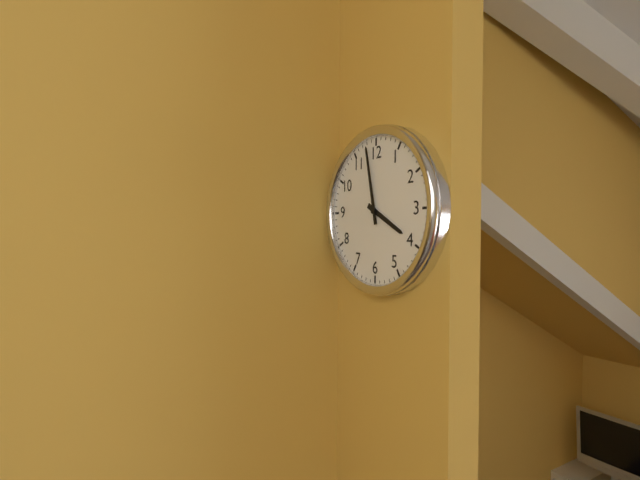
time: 3:58
